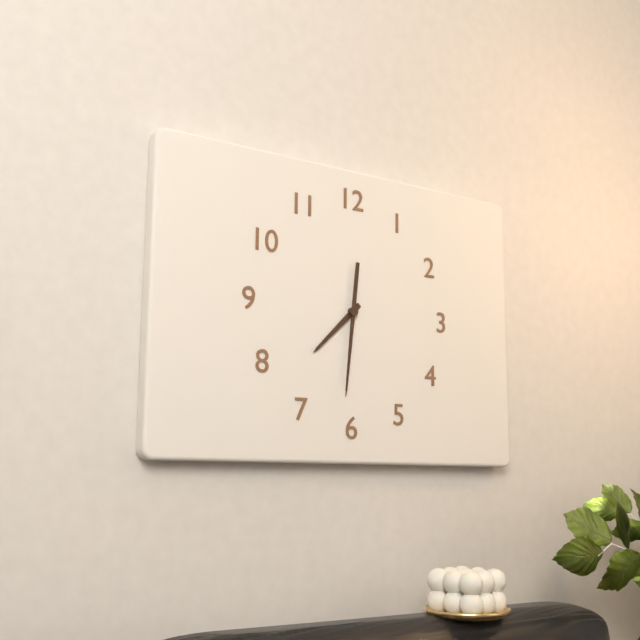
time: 7:31
